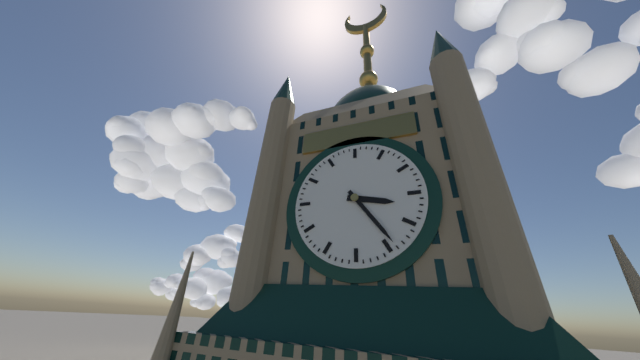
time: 3:24
